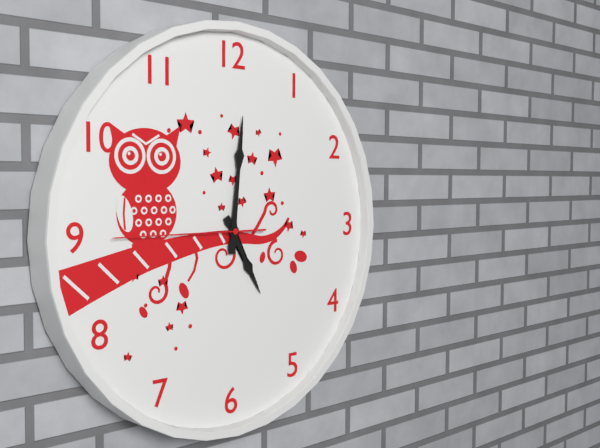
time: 5:01:45
